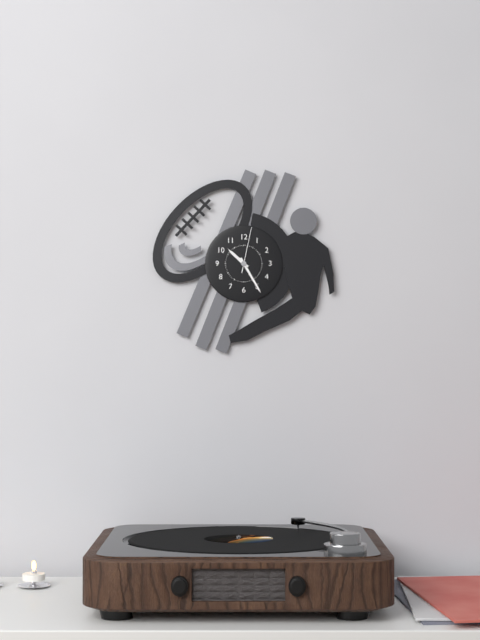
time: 10:25
